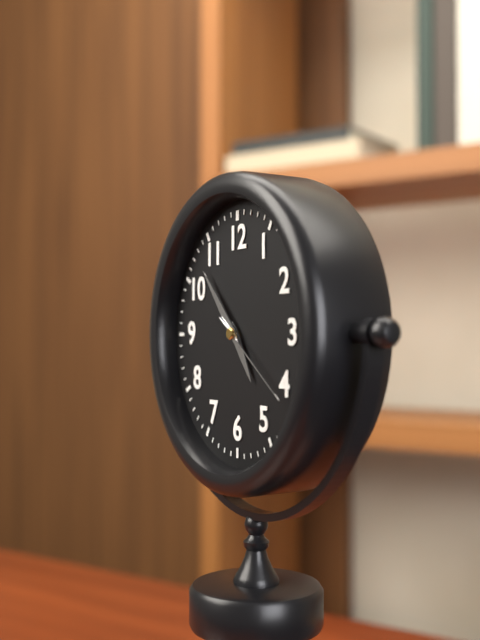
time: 4:53:21
